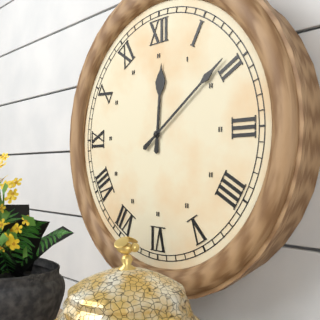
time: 12:09
